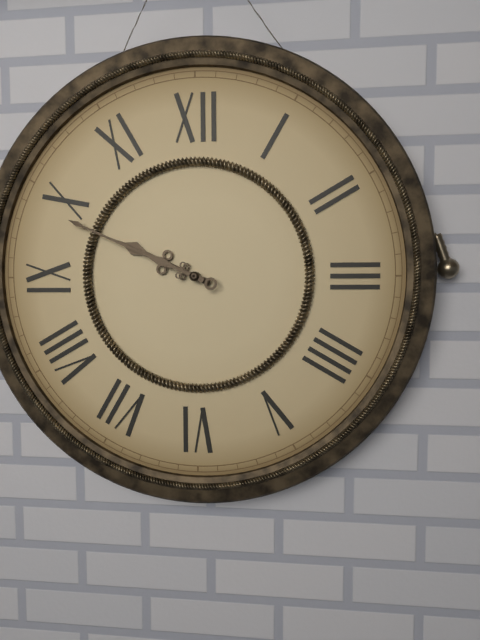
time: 9:49
